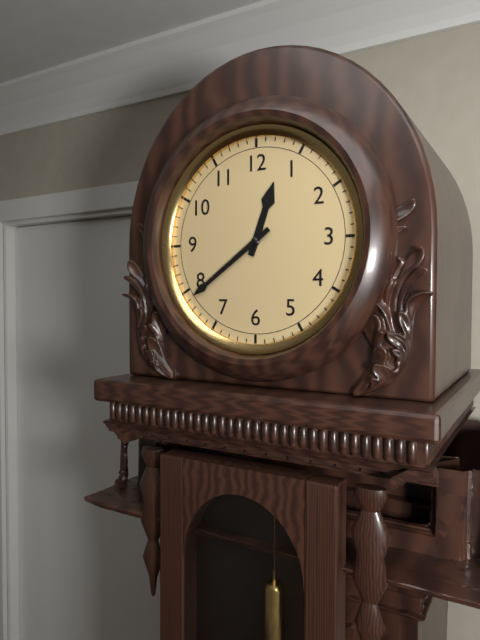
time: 12:39
